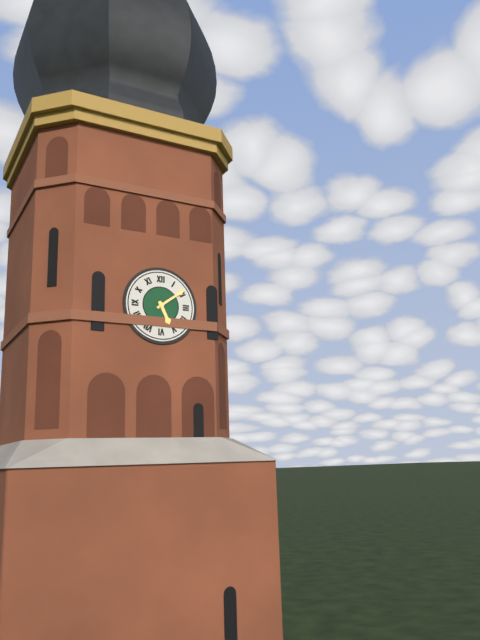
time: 5:09
